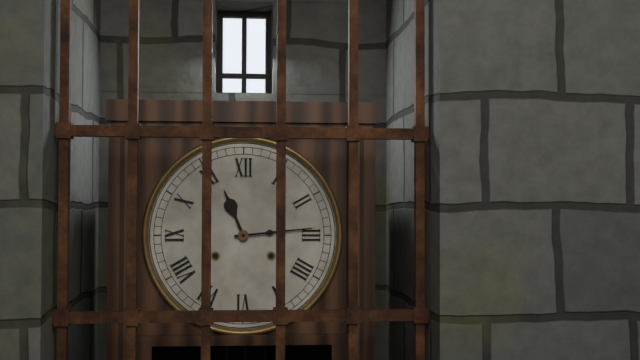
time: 11:14
